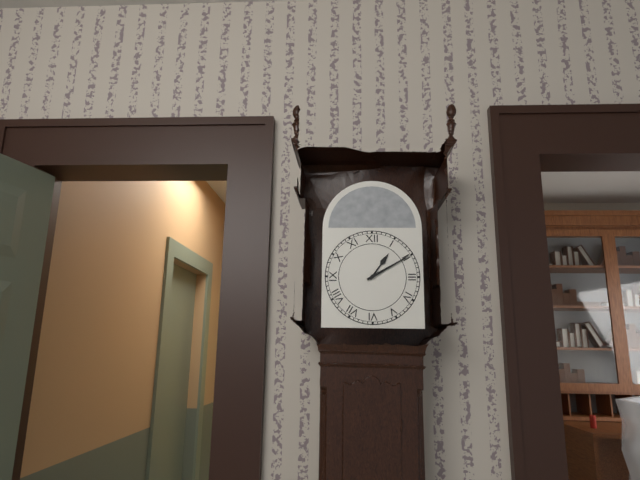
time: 1:10
